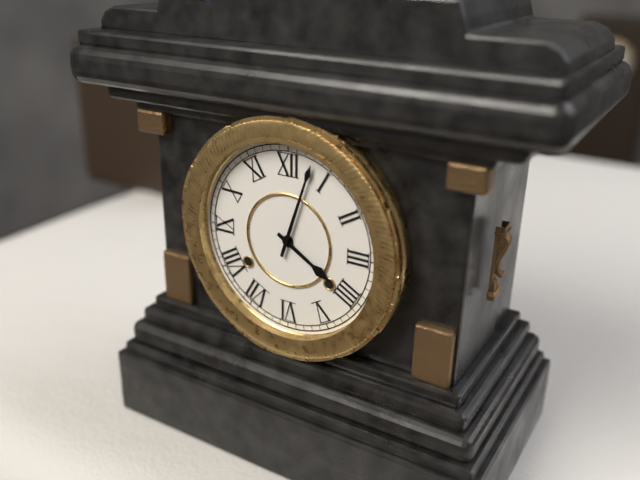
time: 4:03
